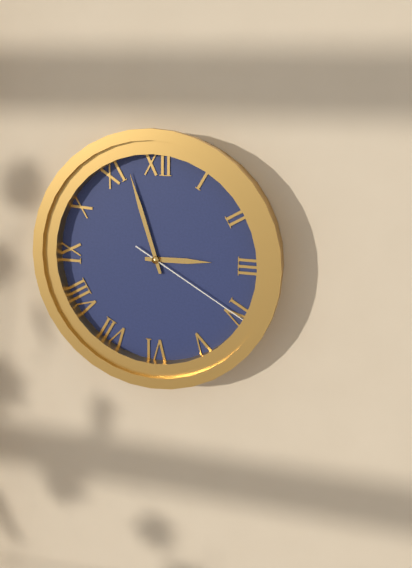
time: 2:57:20
